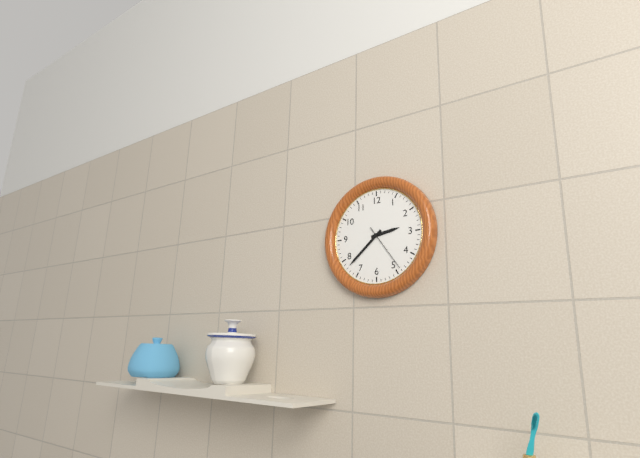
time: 2:38:24
